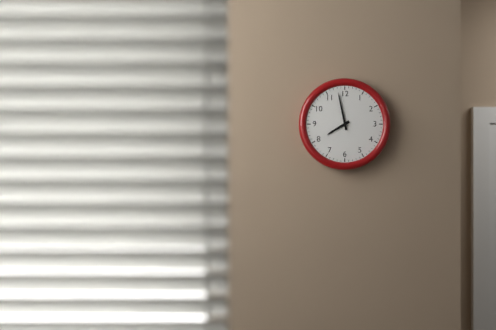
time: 7:58
